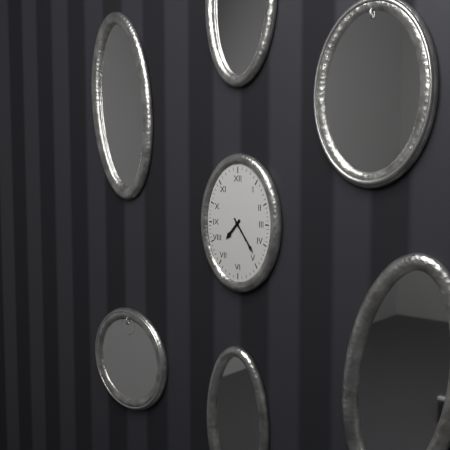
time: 7:24
